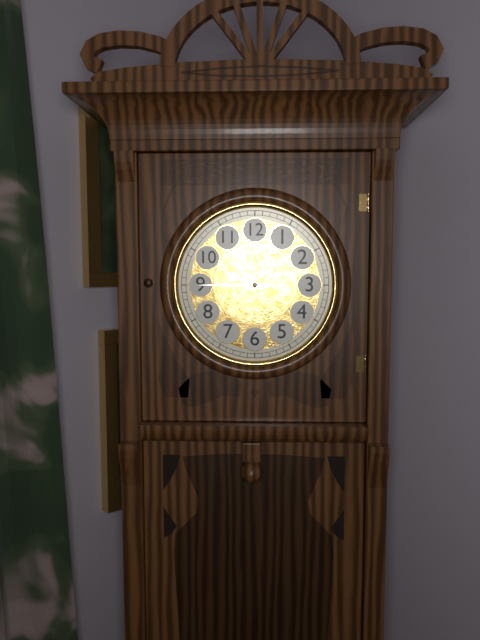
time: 9:45
